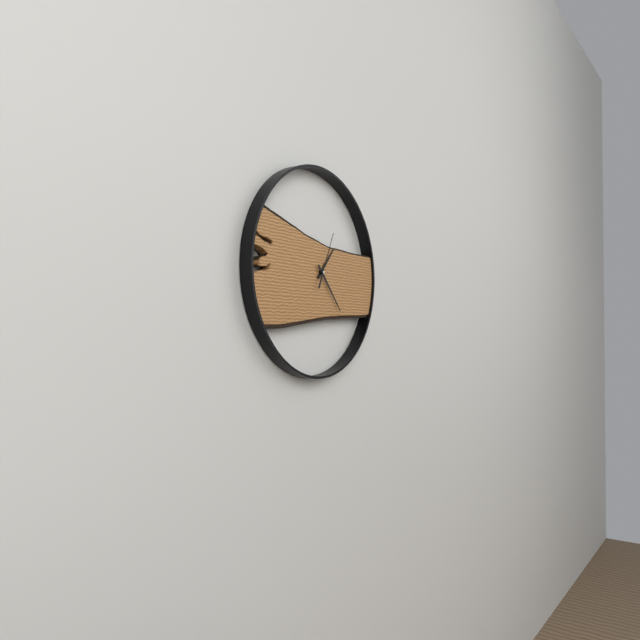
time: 1:23:04
